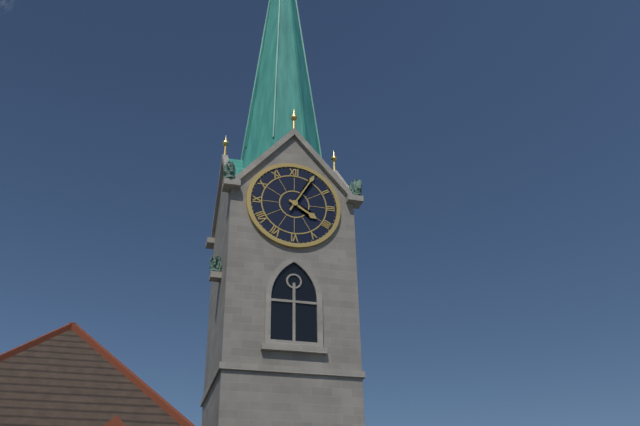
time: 4:05
